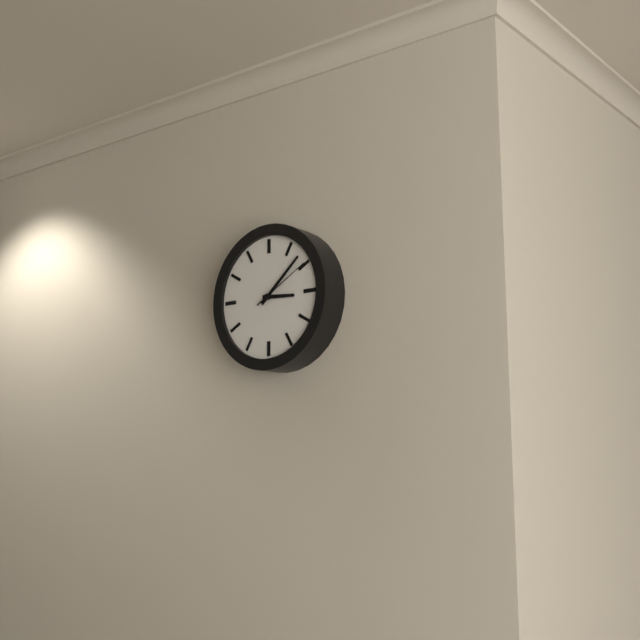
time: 3:08:10
